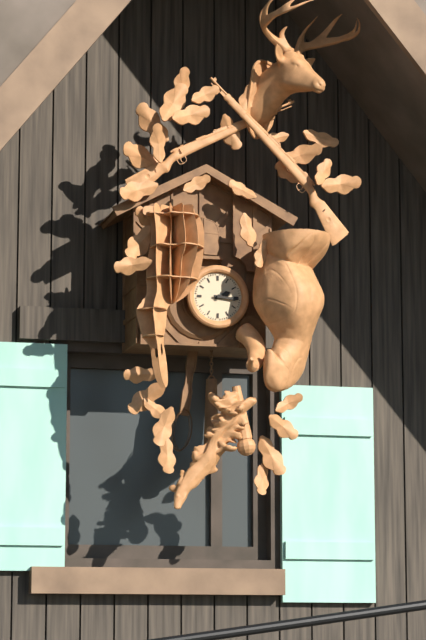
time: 2:16
